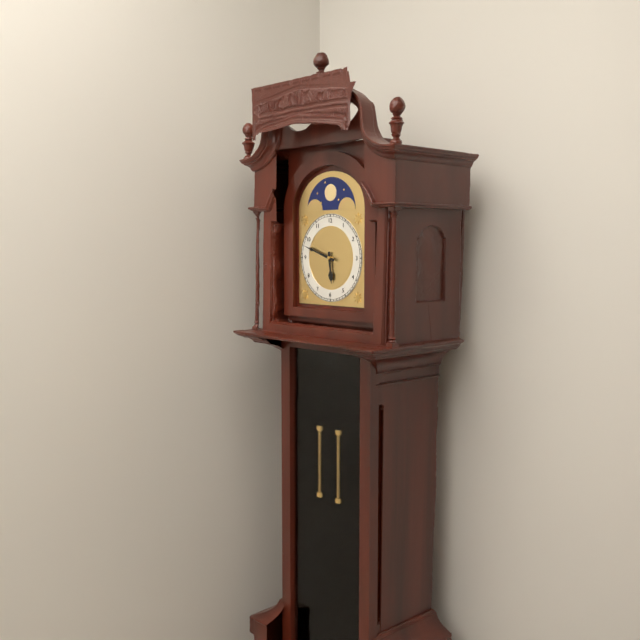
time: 5:48
